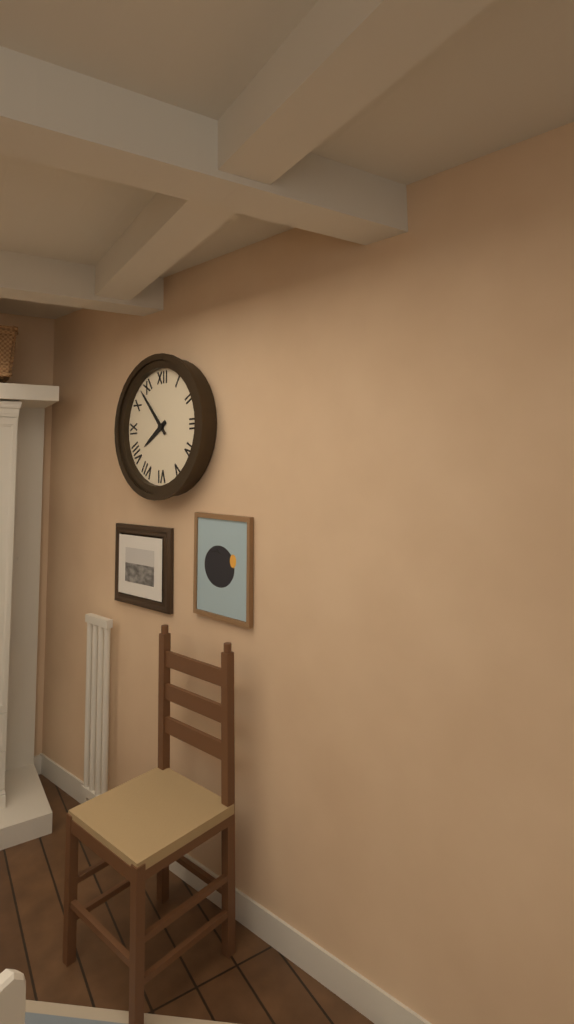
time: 7:53
